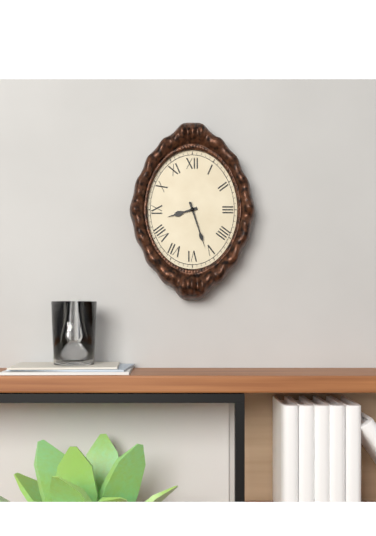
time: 8:27
